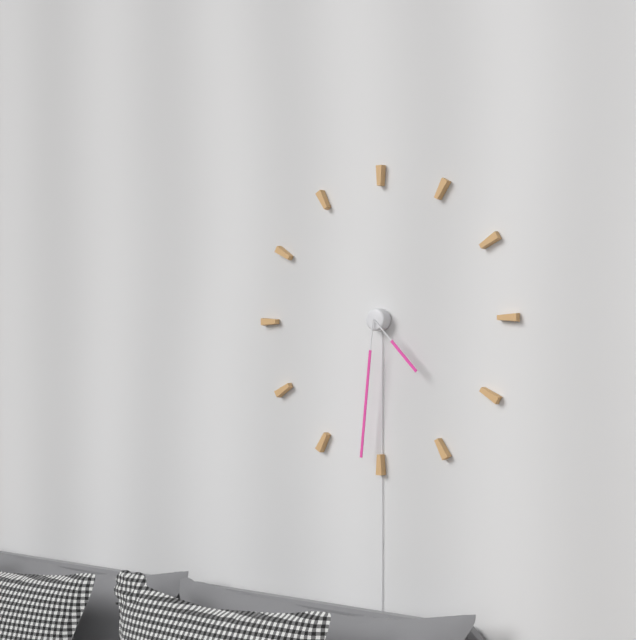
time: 4:31
